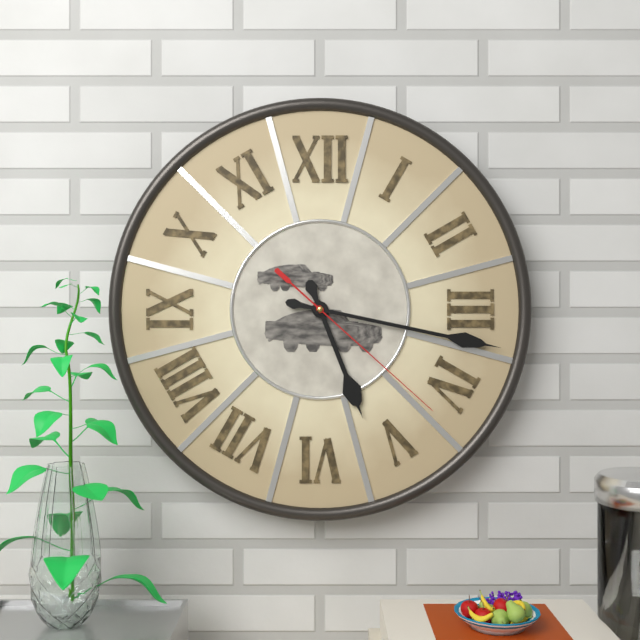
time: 5:17:22
